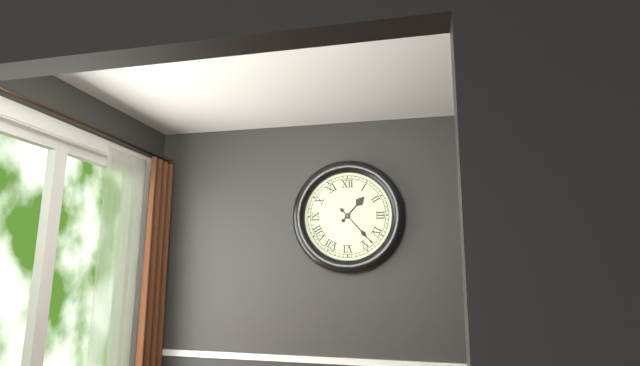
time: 1:23
